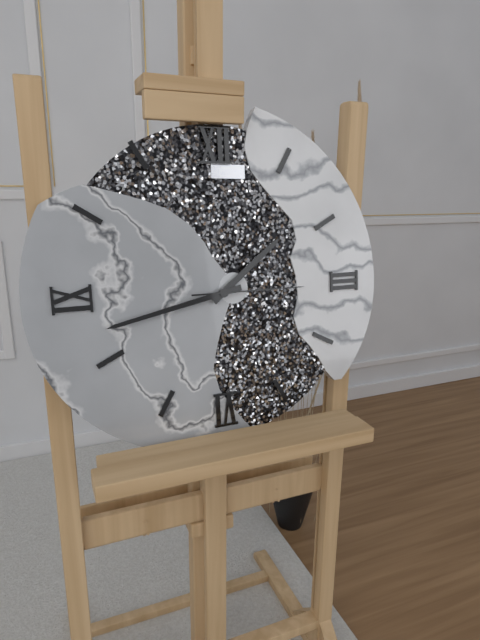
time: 1:43:15
